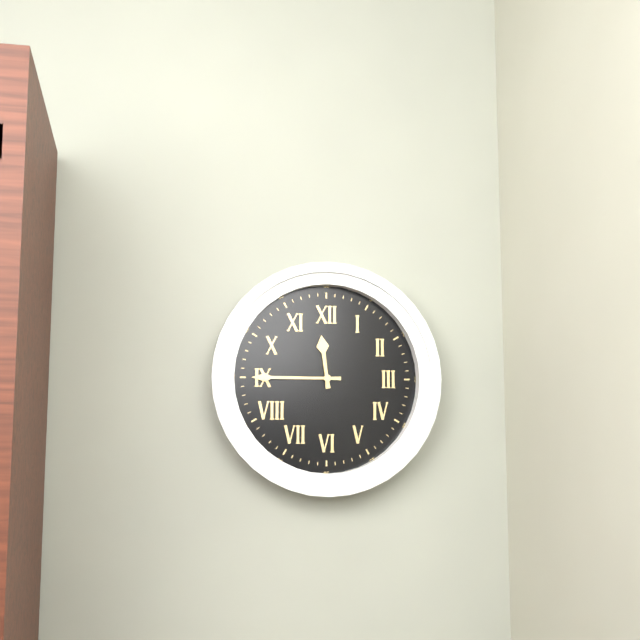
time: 11:45
